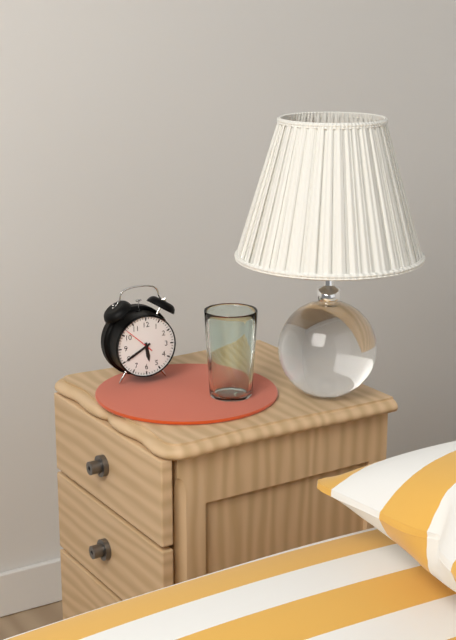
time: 5:40
